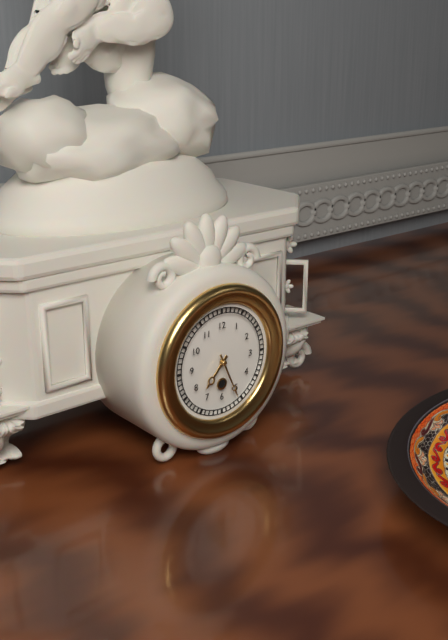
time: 7:26
